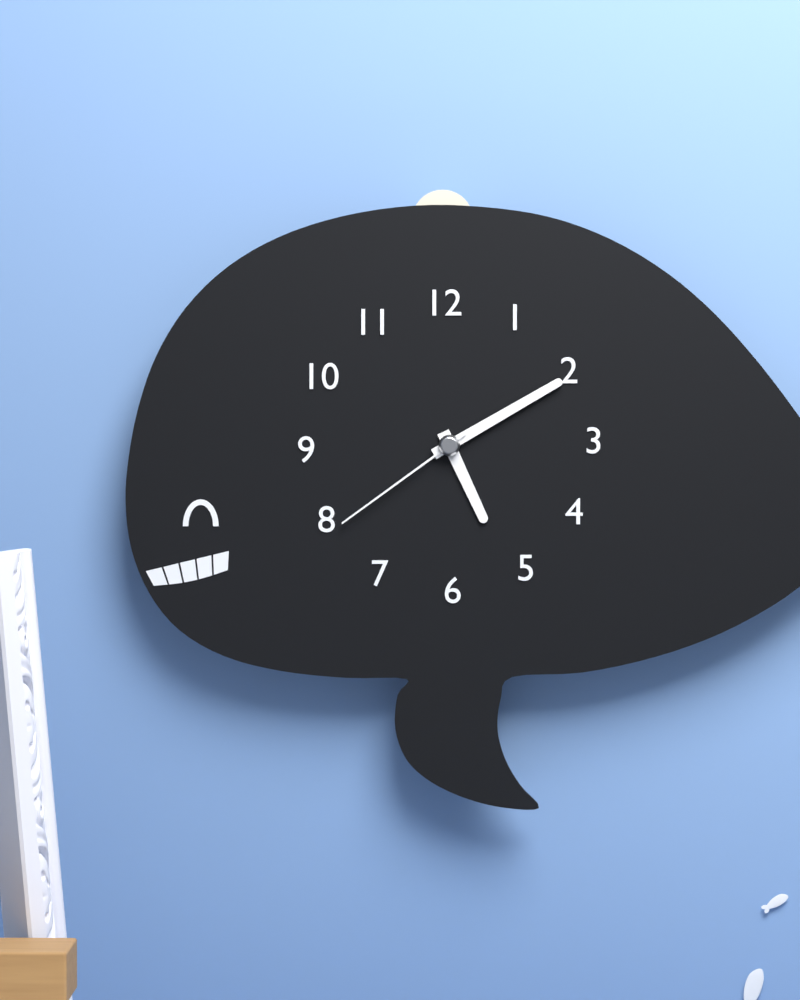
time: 5:10:39
